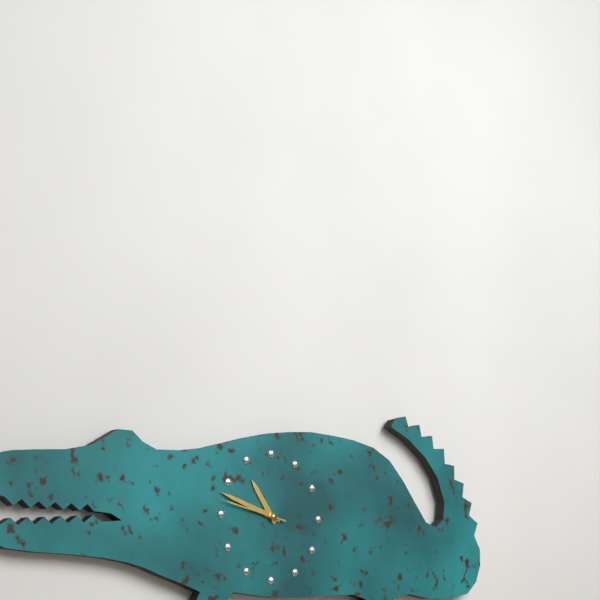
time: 10:48:47
